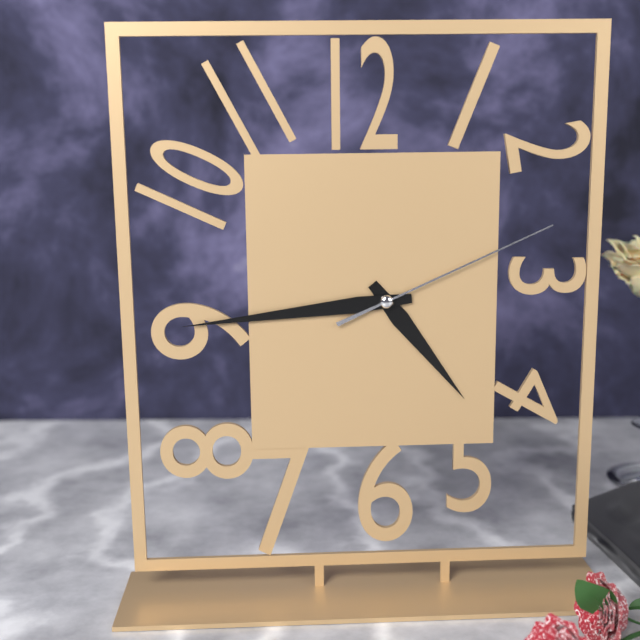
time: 4:44:11
